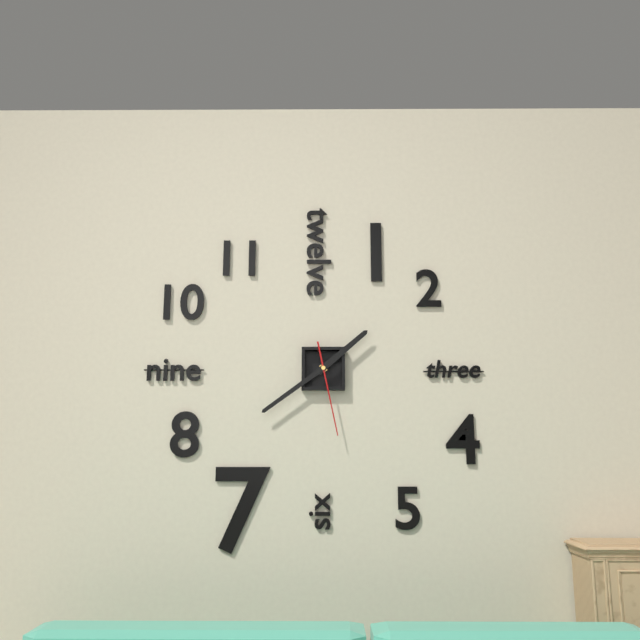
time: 1:39:28
